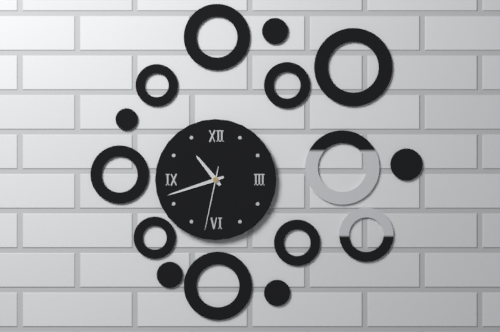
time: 10:42:32
